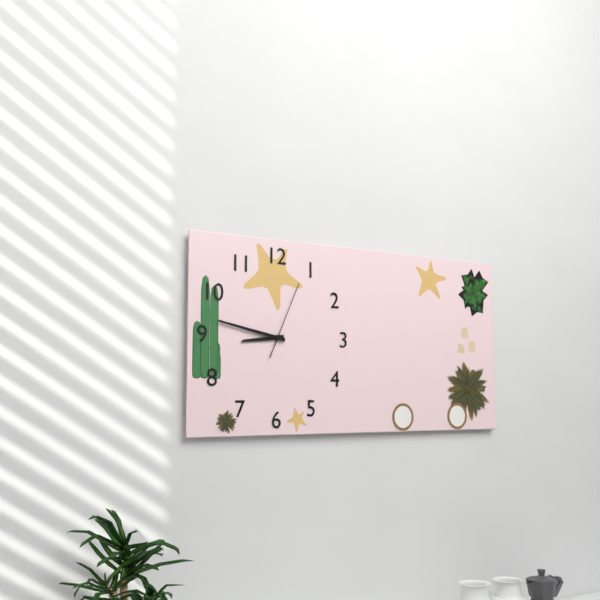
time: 8:47:04
